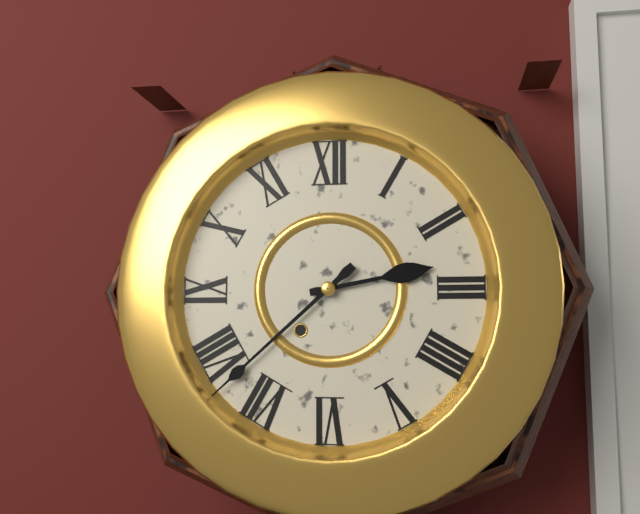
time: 2:38
